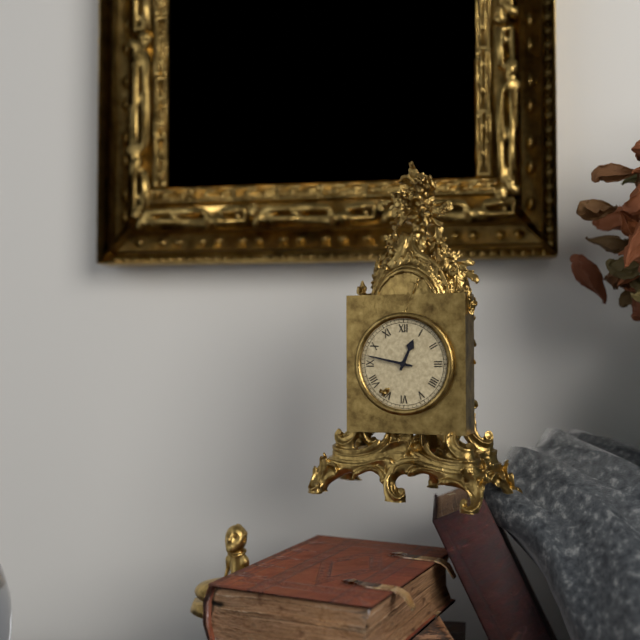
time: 12:47
